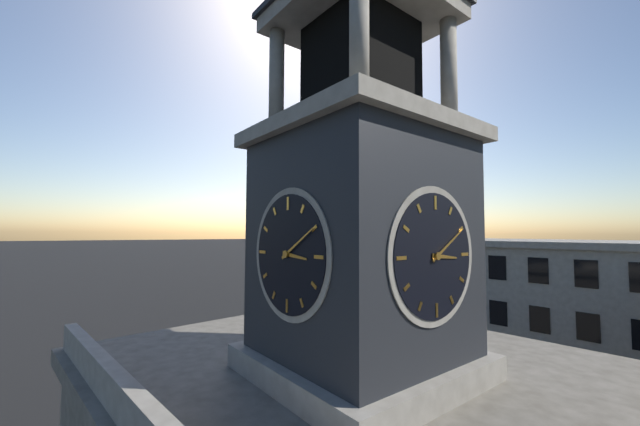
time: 3:10
